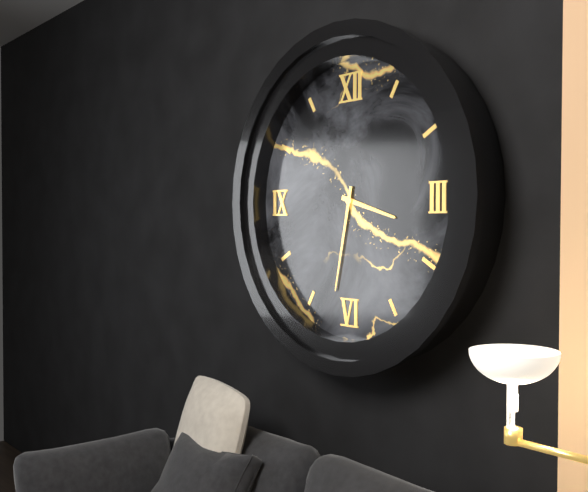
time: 3:32
